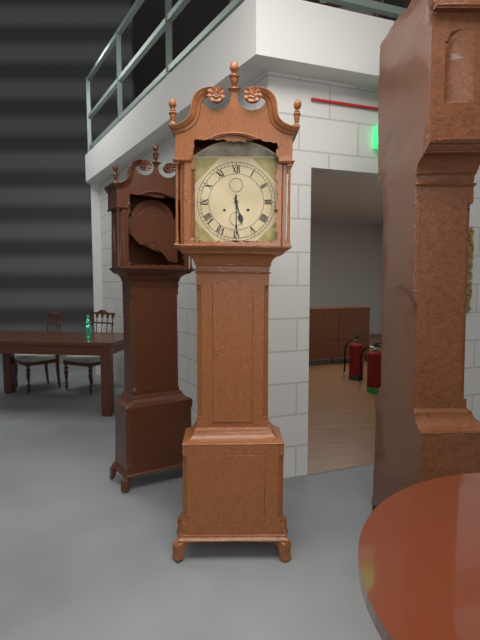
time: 5:30
